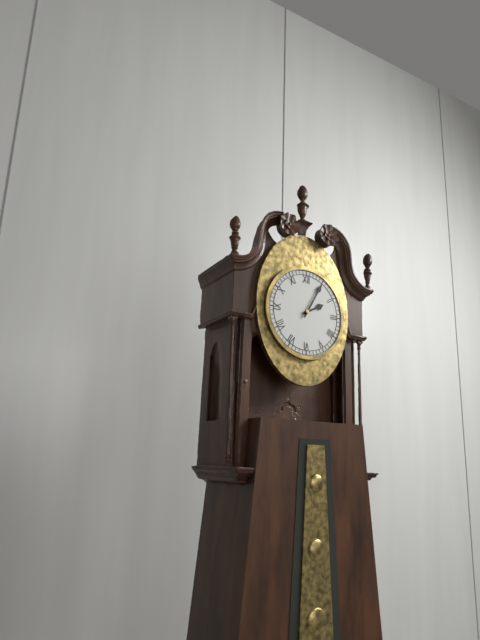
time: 2:05
